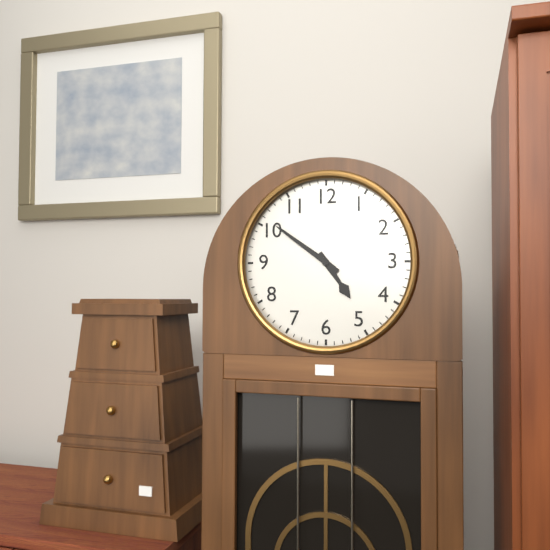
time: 4:51
